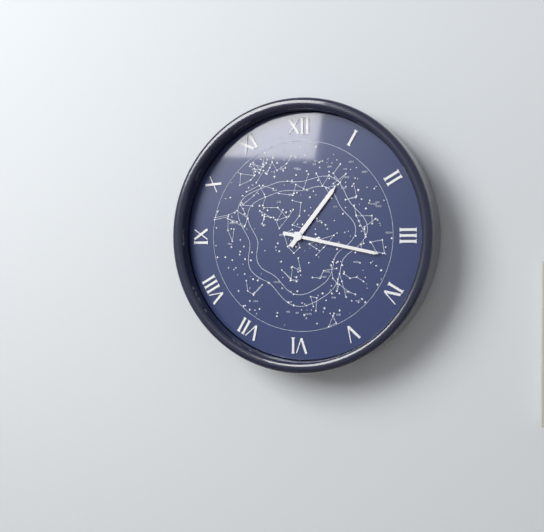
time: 1:17
